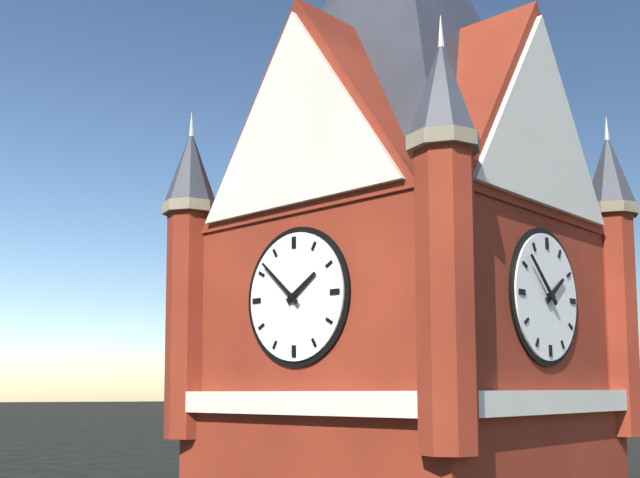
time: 1:52
